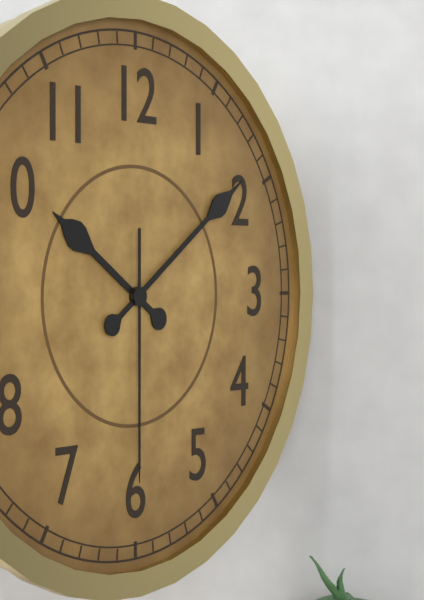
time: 10:09:30
